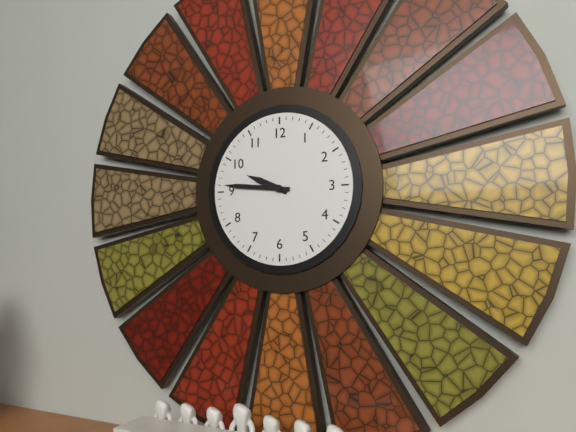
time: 9:46
